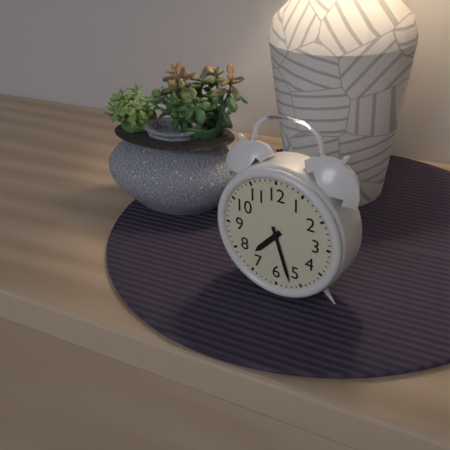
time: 7:27
